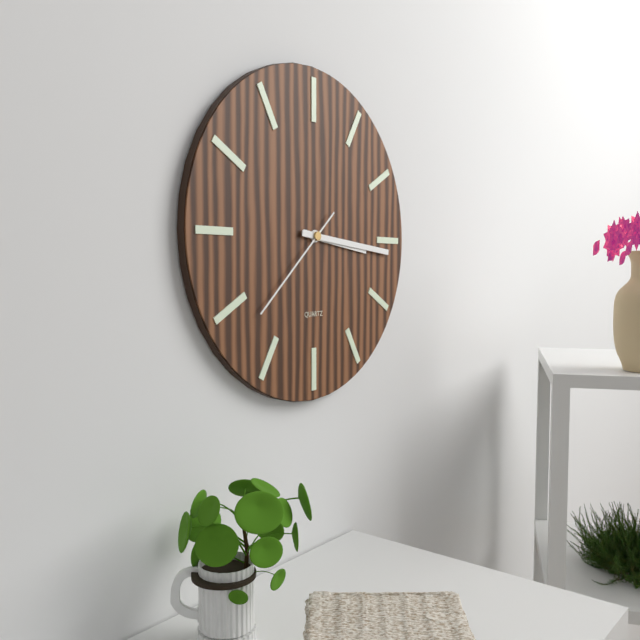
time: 3:16:38
